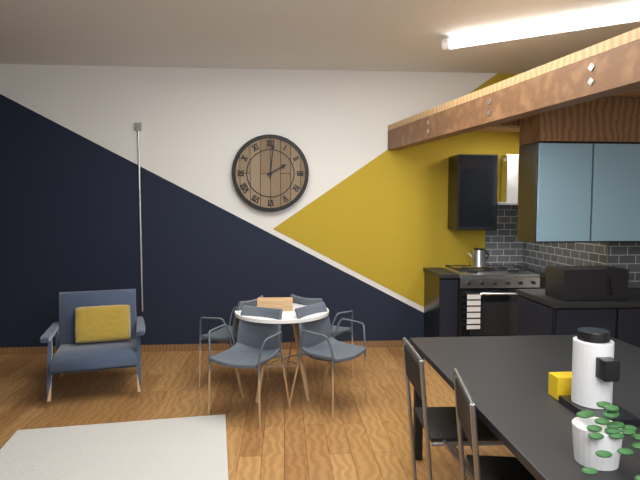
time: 2:01
